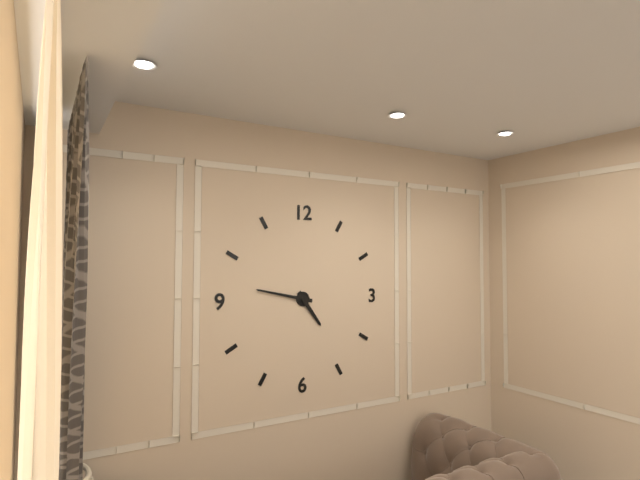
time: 4:47
